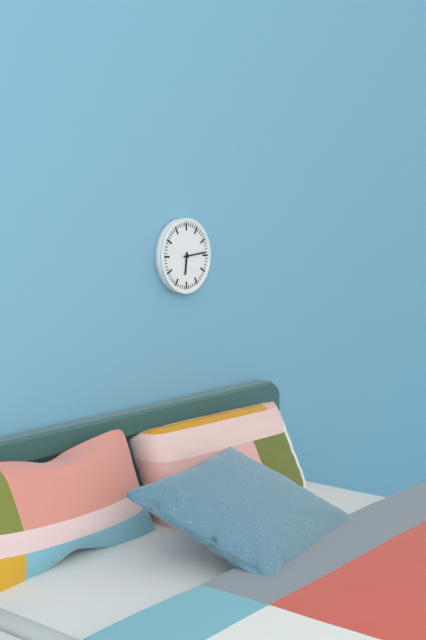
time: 6:14
